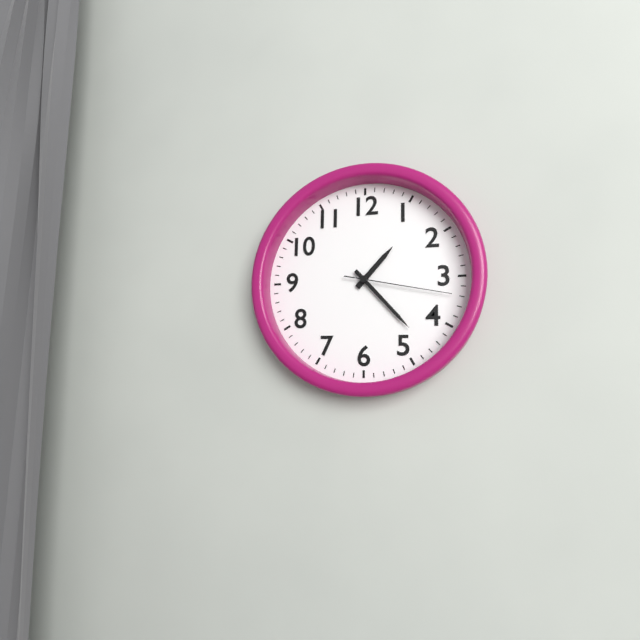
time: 1:23:17
